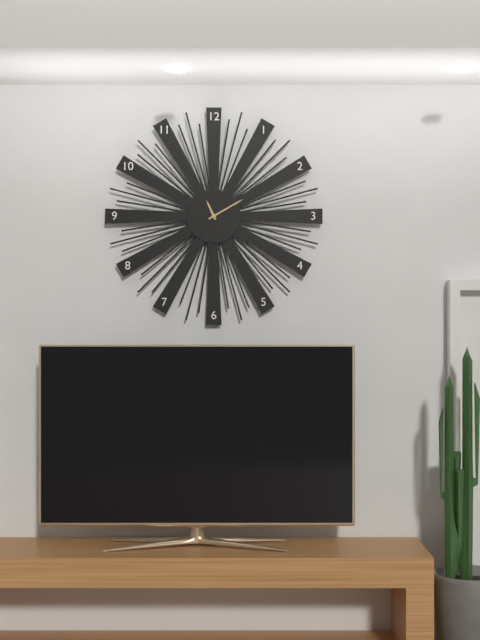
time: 11:10
